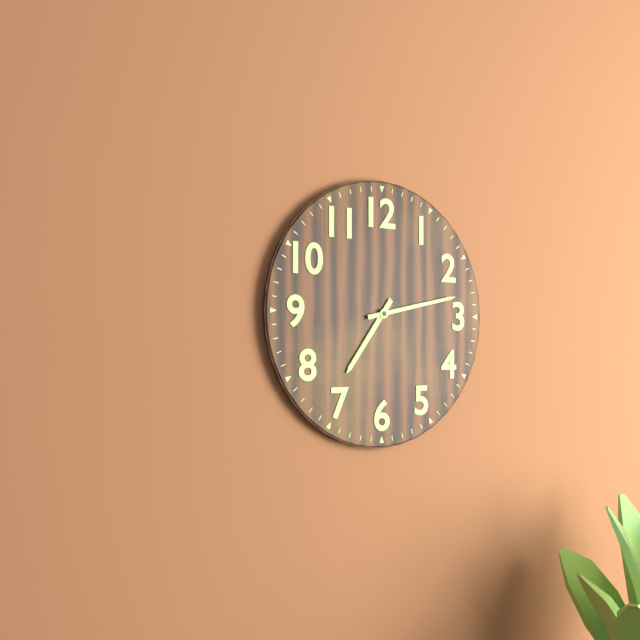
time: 7:13
